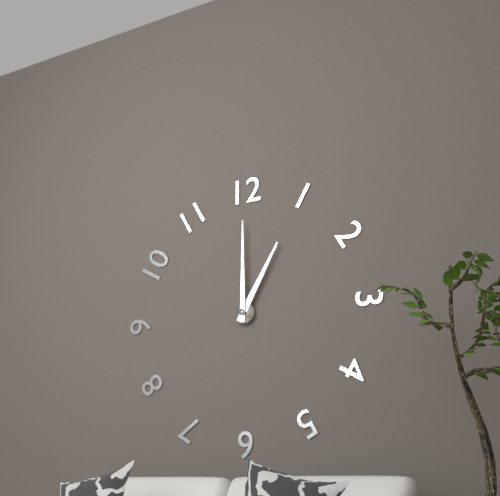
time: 1:00
